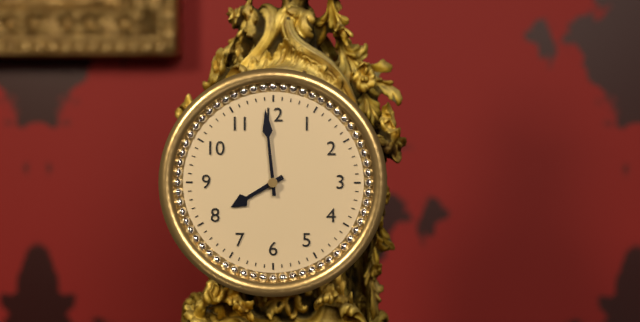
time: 7:59
